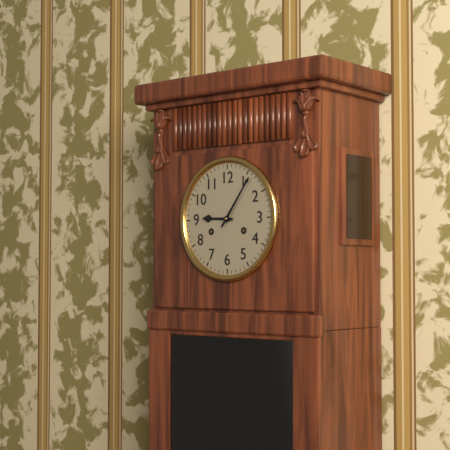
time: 9:06
